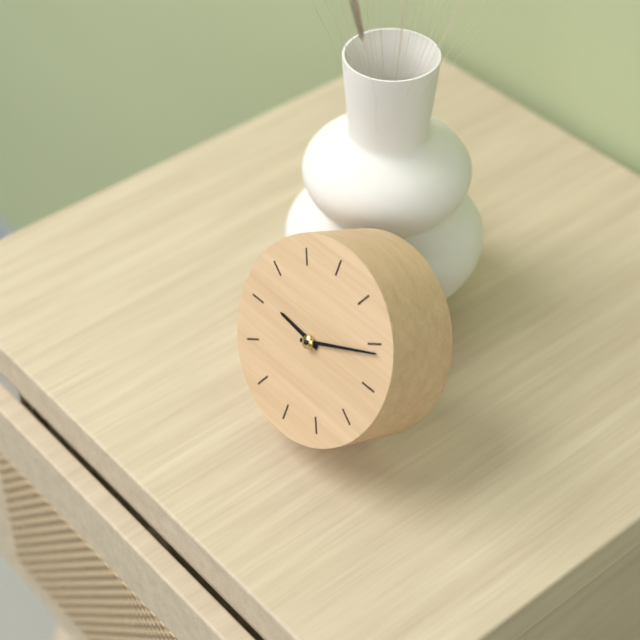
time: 9:11
